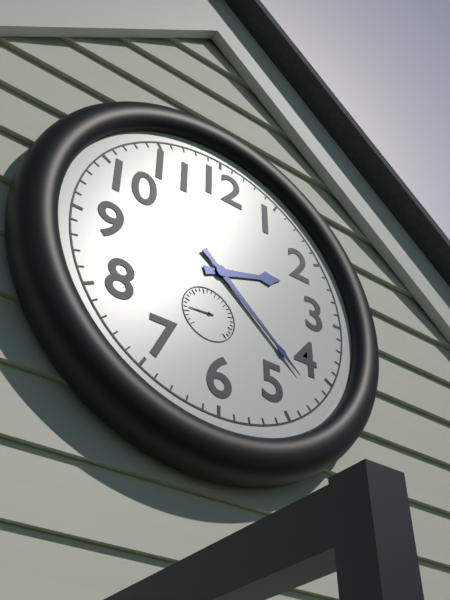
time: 2:22
